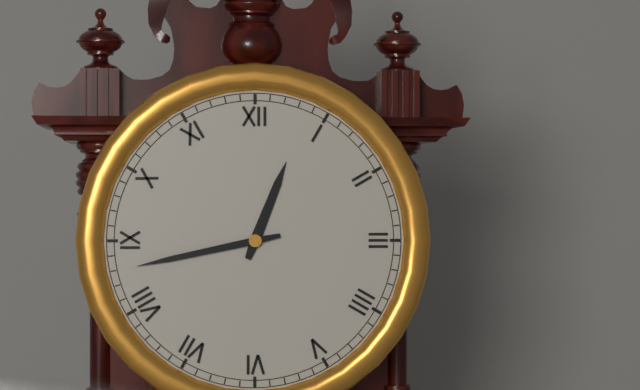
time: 12:43
